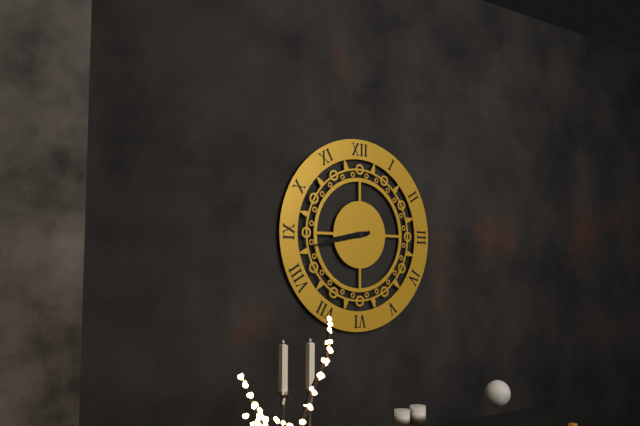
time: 8:43
